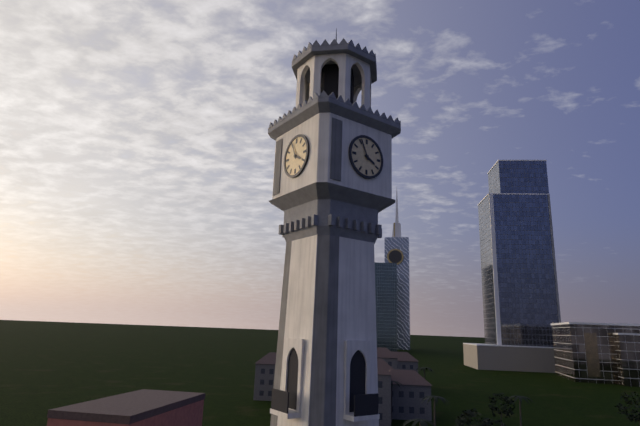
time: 3:56
